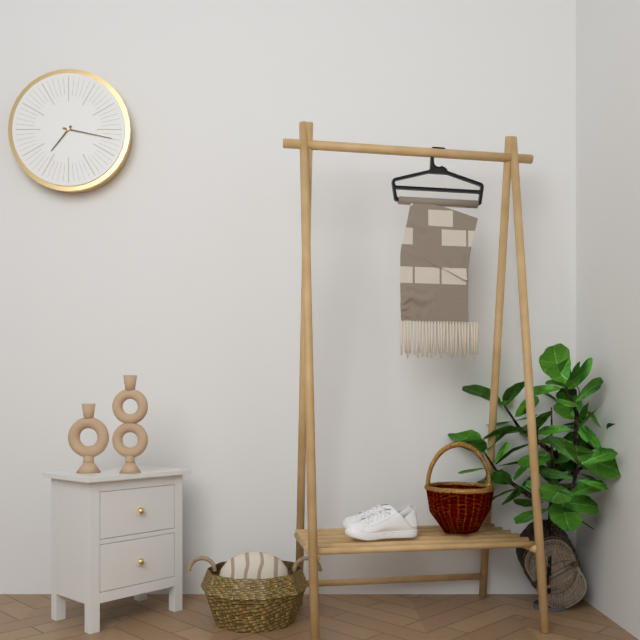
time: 7:17
